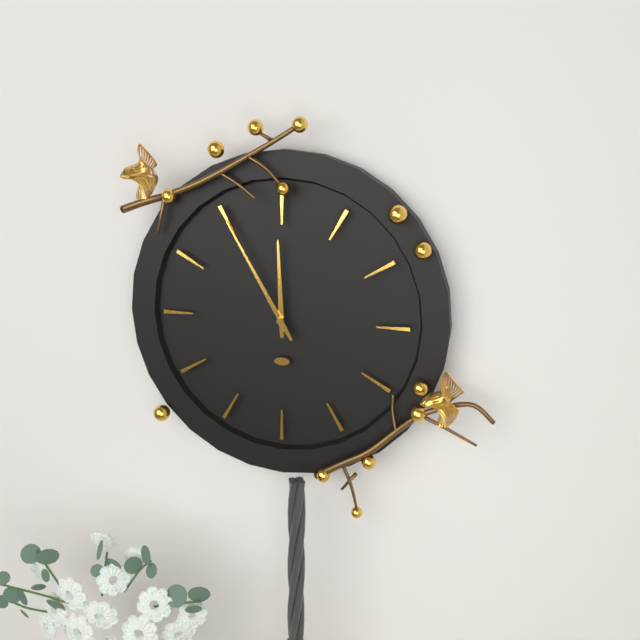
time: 11:55
